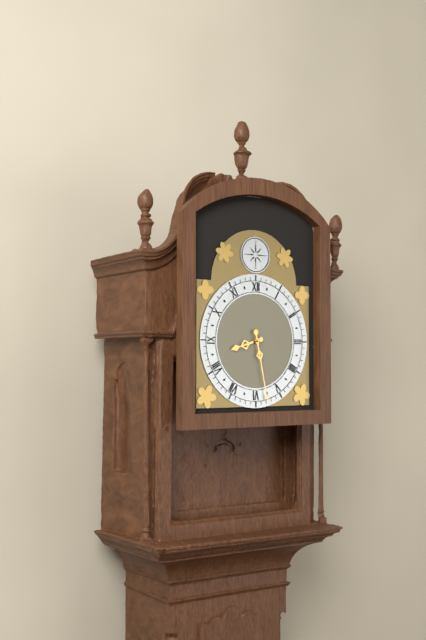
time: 8:28
